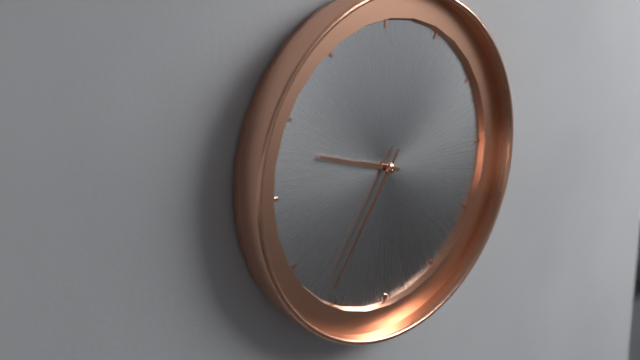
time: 9:36
